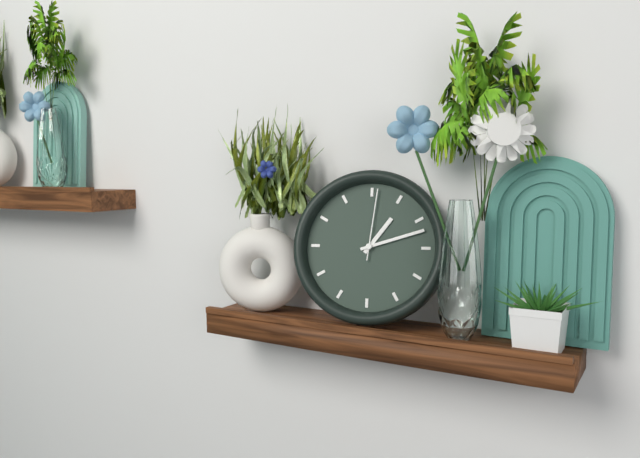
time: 1:12:01
